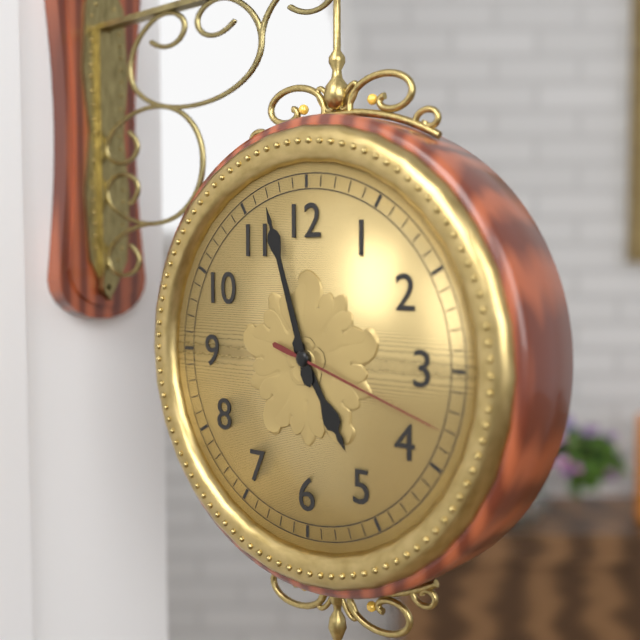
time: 4:57:18
